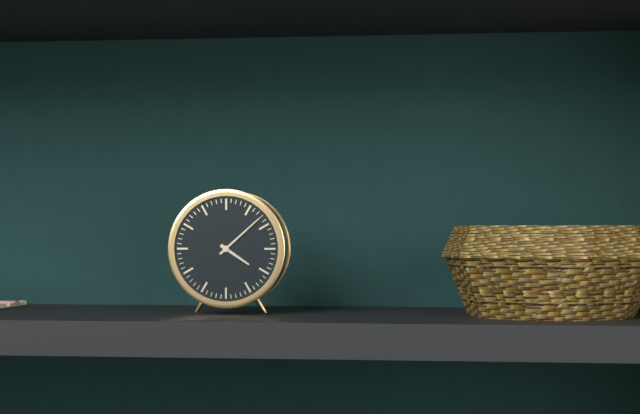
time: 4:08
